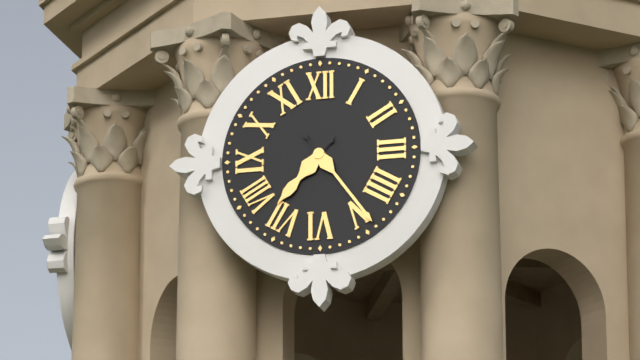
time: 7:24
